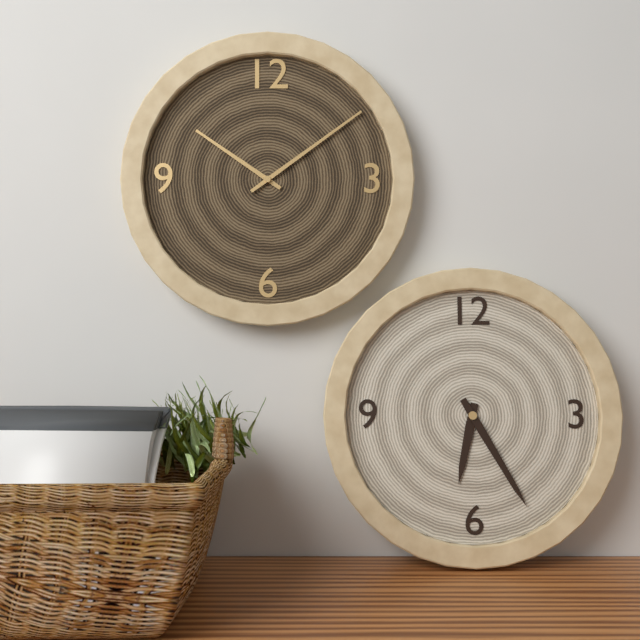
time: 6:25
